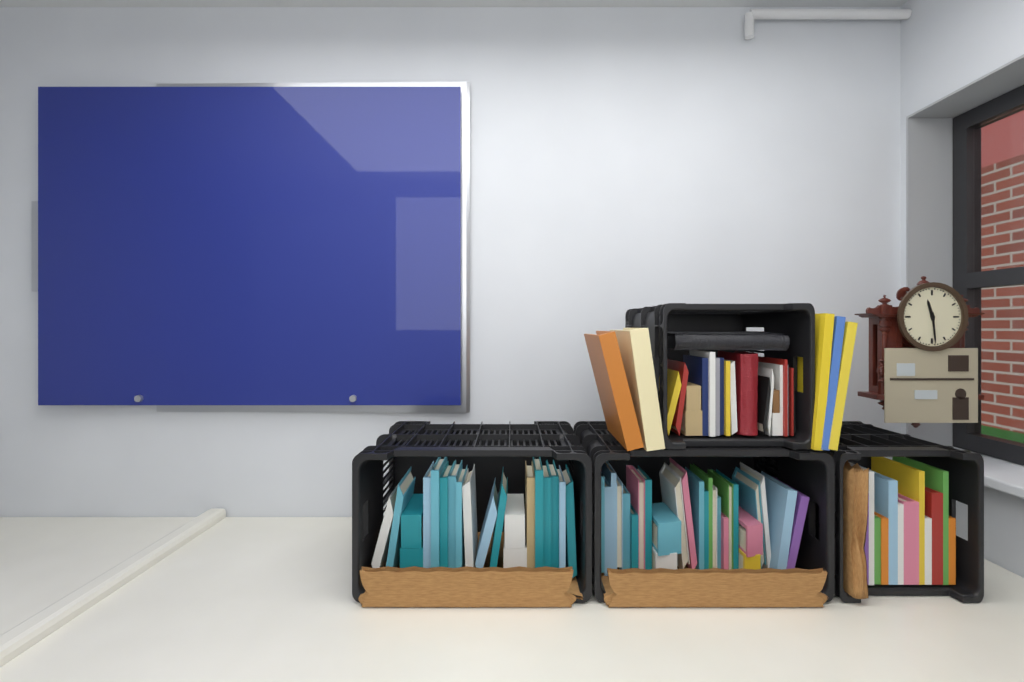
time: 11:29
